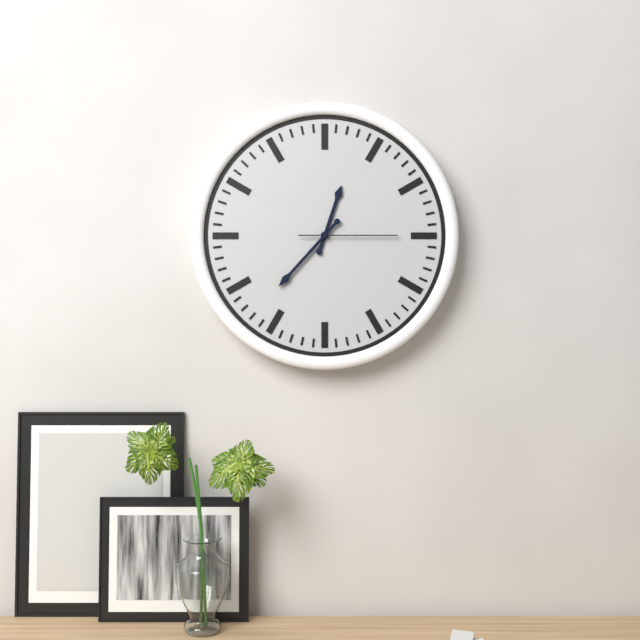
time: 12:37:15
